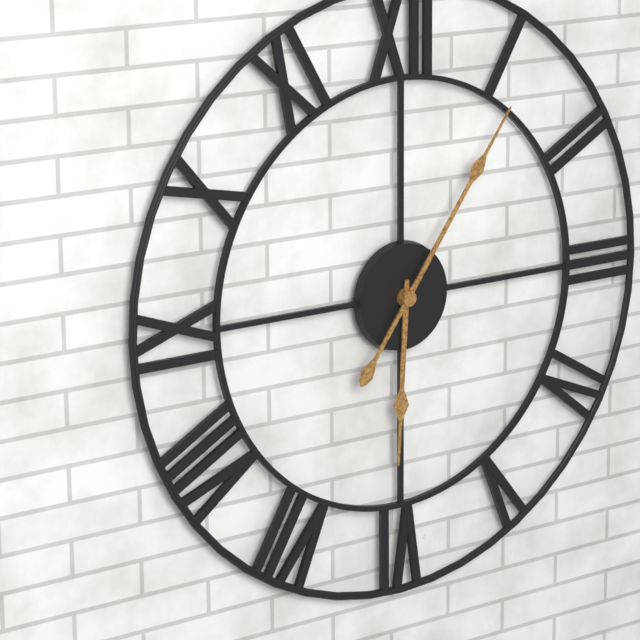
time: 6:06
